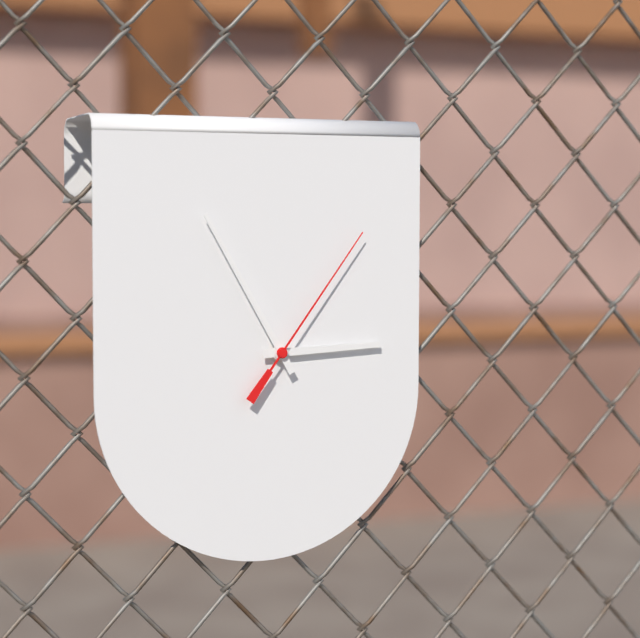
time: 2:55:06
